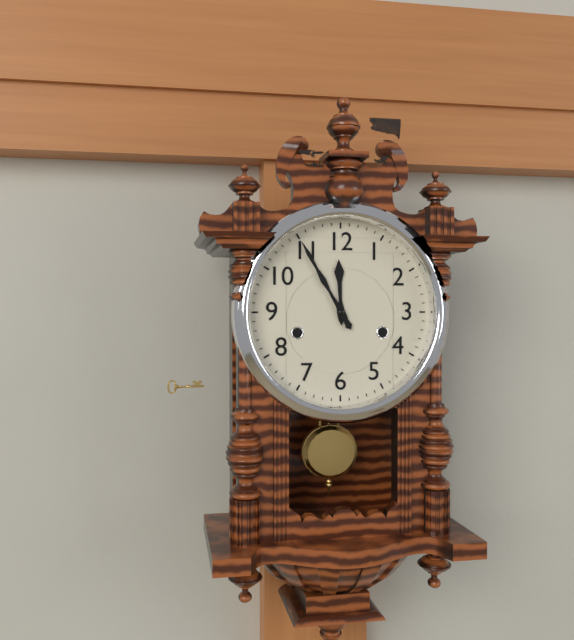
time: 11:55
